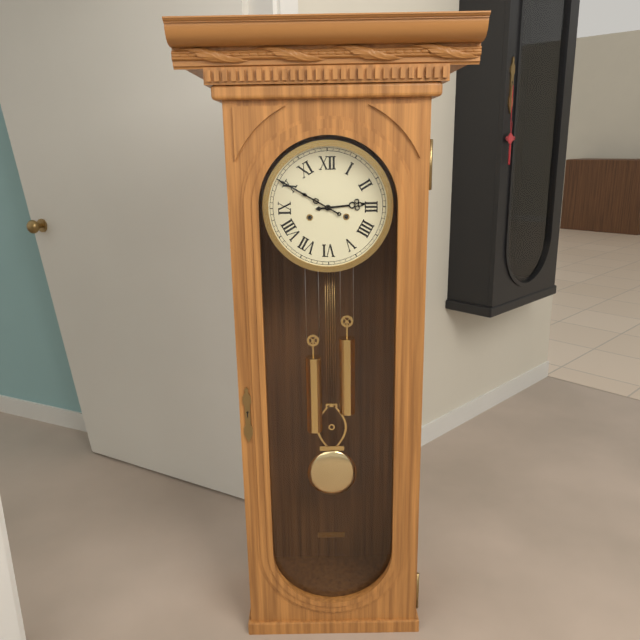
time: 2:50
